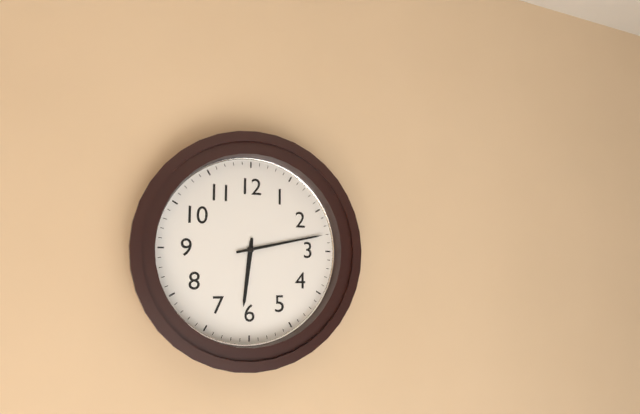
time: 6:13
